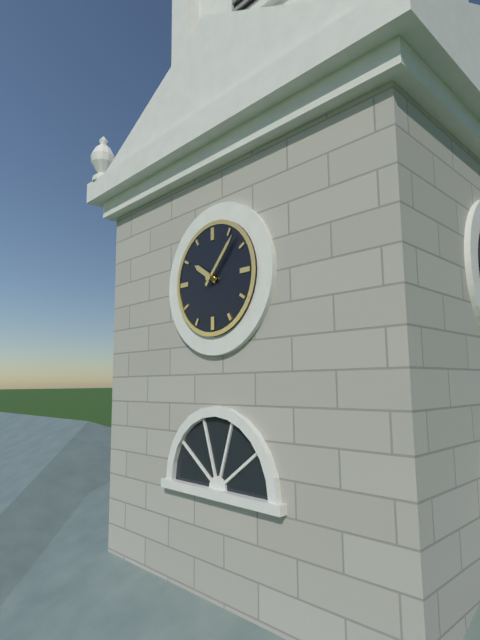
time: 10:07
